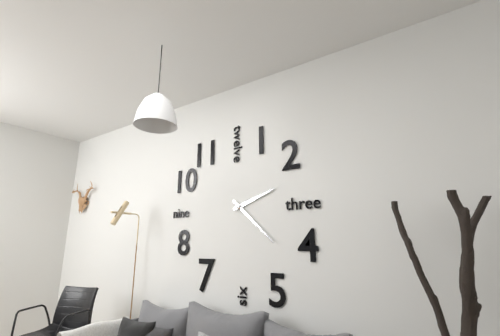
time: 2:22
